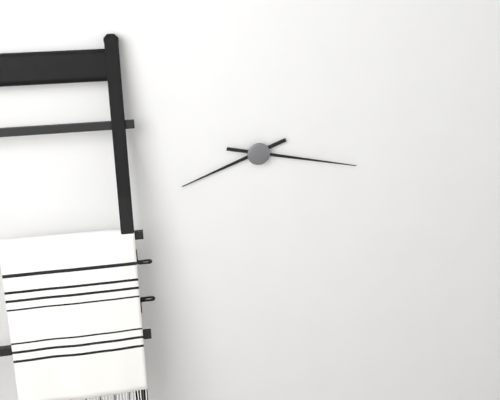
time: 8:17
